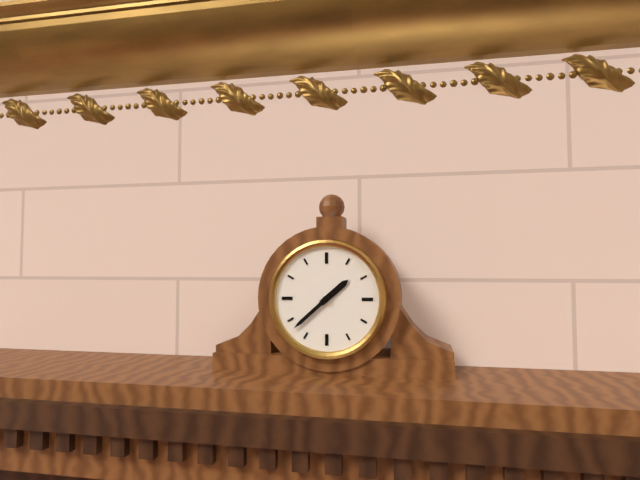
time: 1:38
